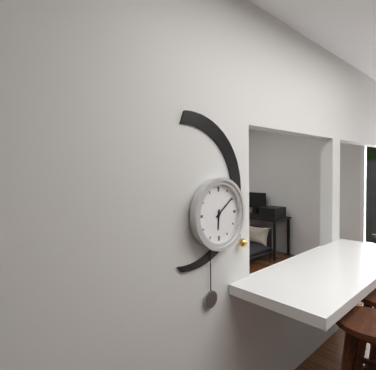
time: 6:09
